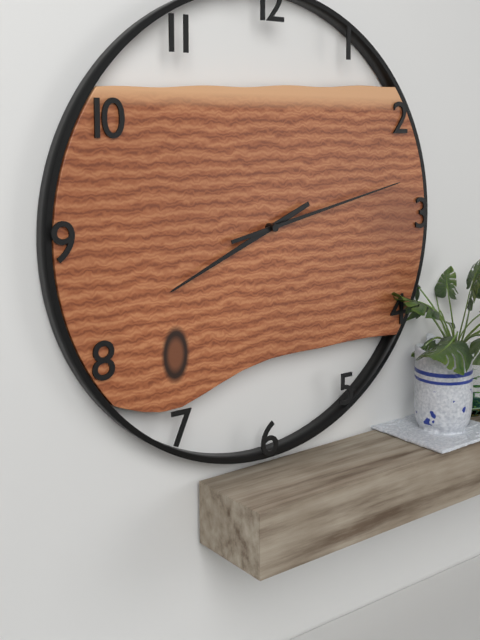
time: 8:13
